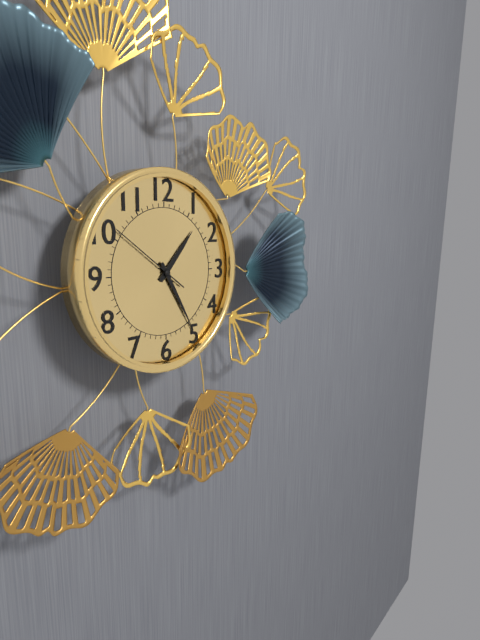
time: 1:25:51
